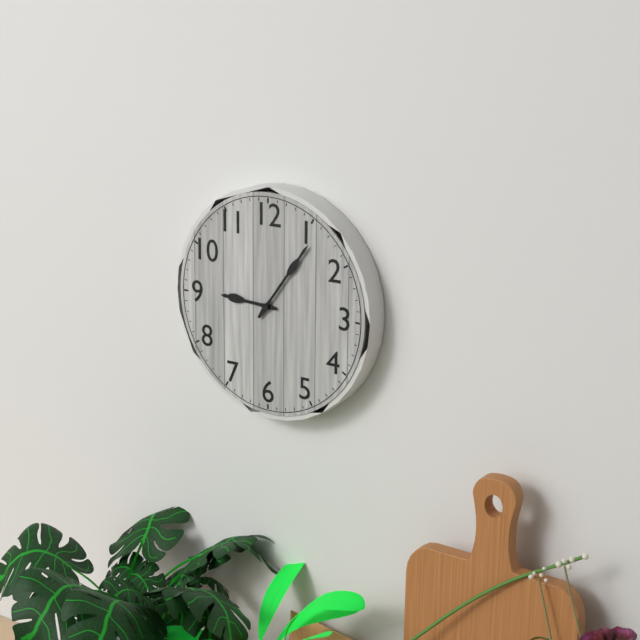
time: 9:06
